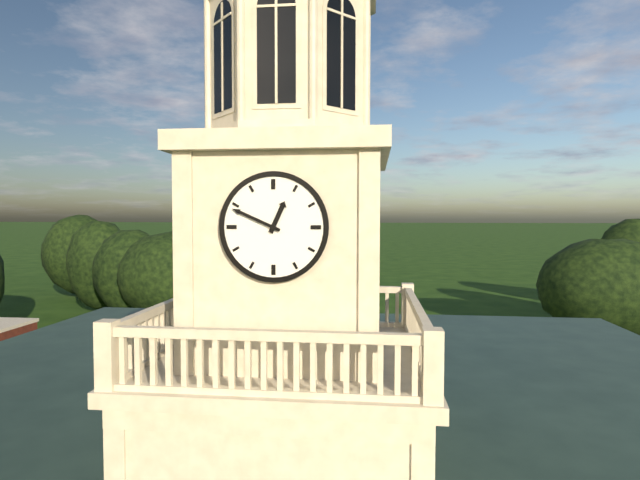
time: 12:49
